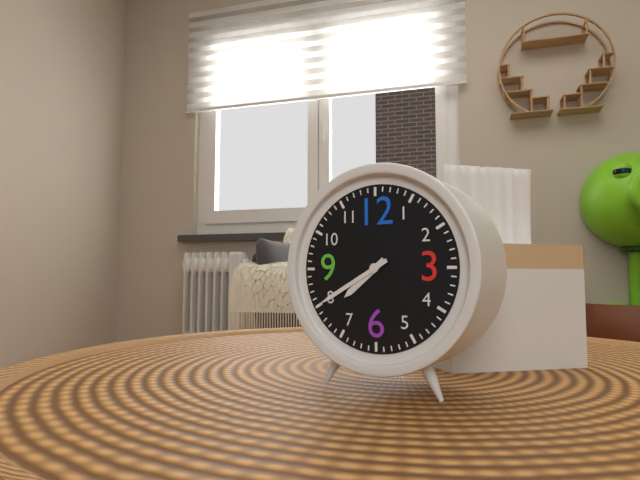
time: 7:40
